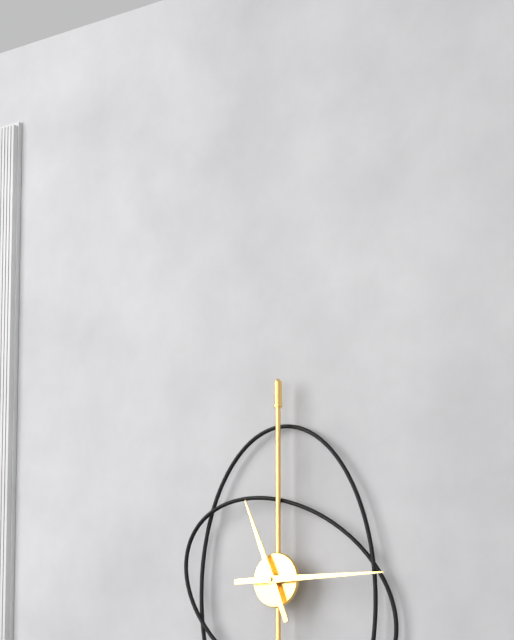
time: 11:15
